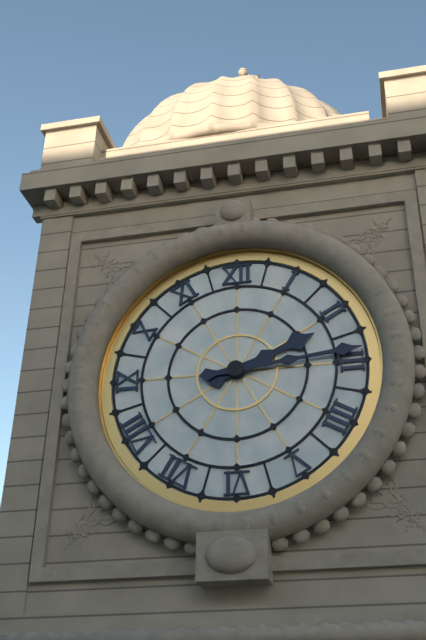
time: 2:14
